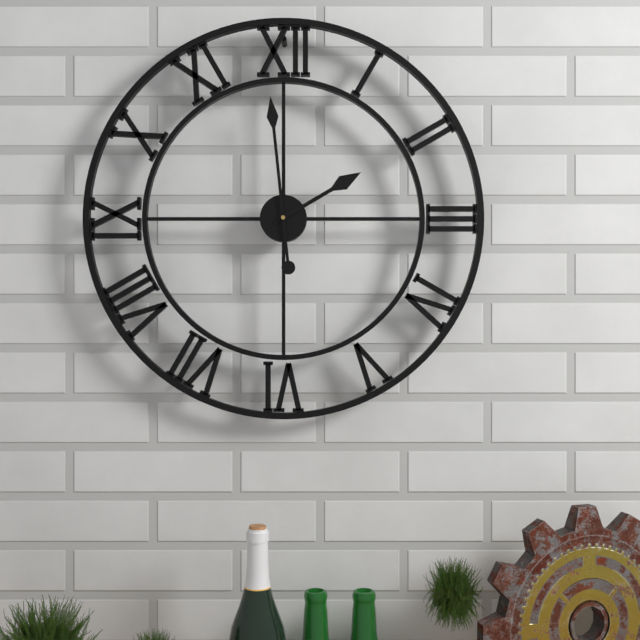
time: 1:59
